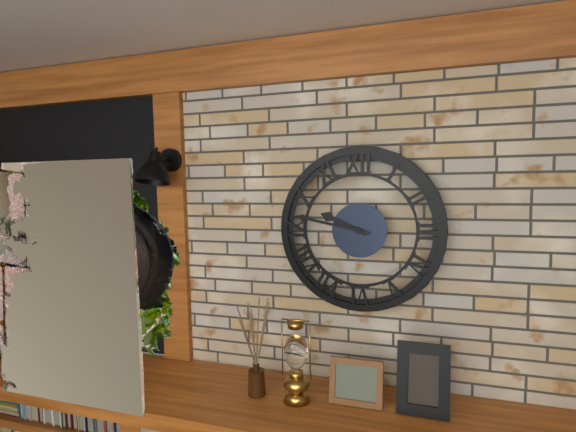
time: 9:47
